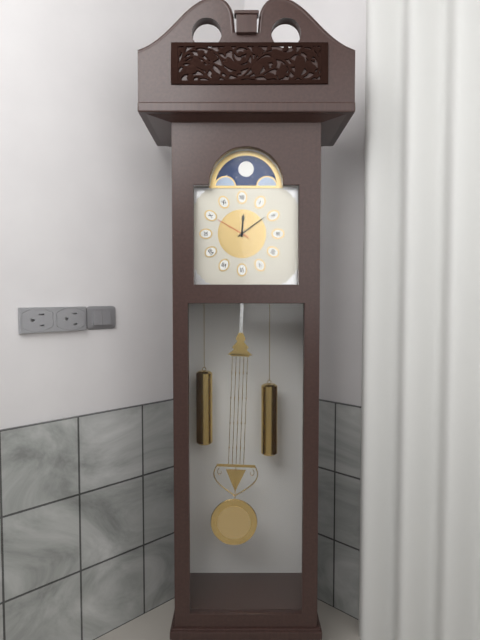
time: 12:09
